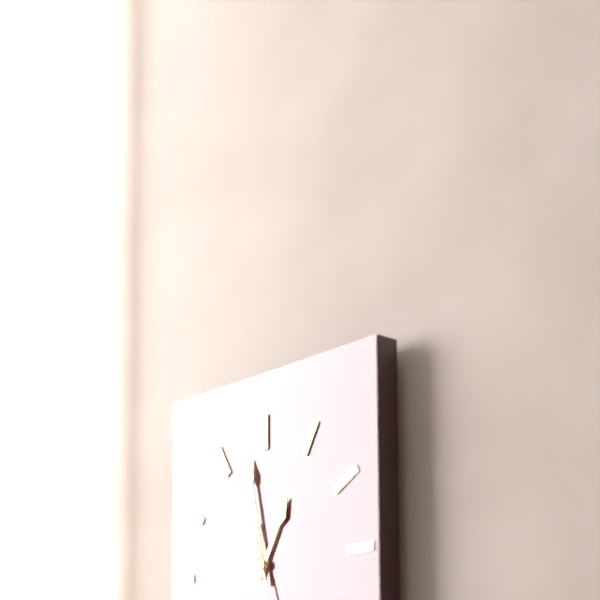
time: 12:58
